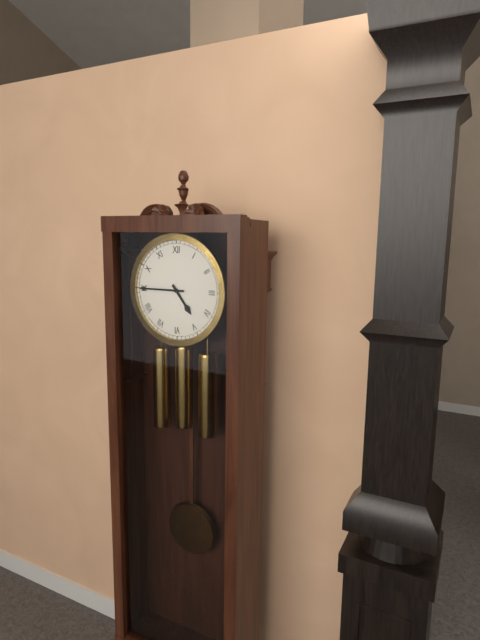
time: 4:45
